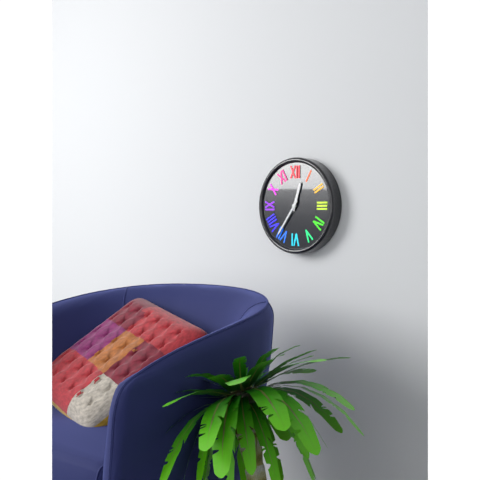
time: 12:36
